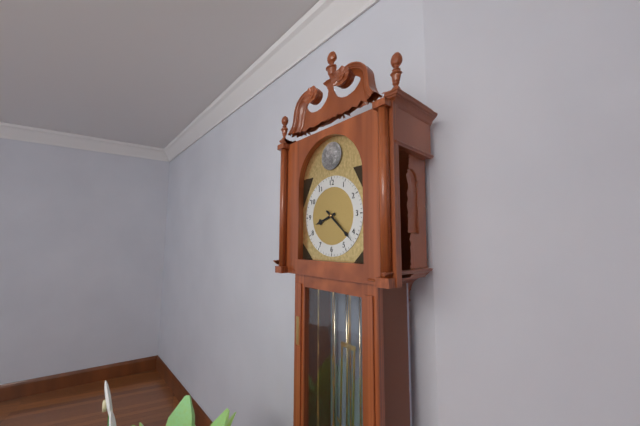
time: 8:22
